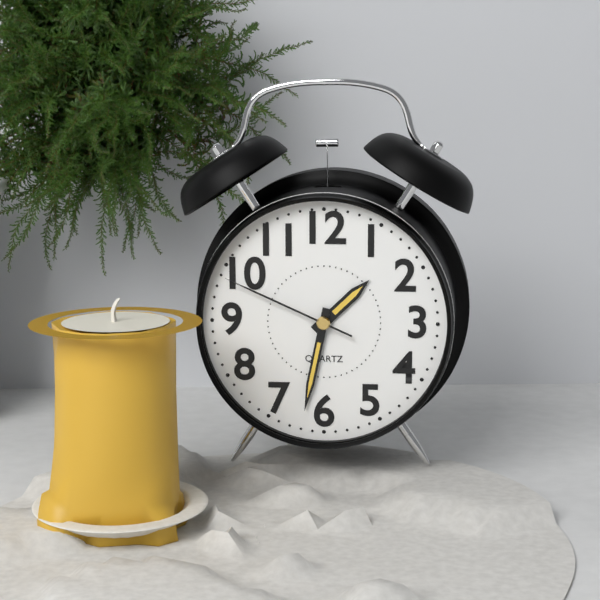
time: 1:32:49
